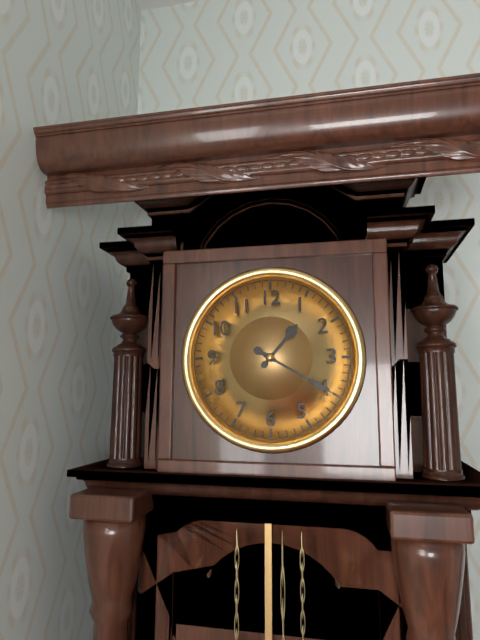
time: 1:20
